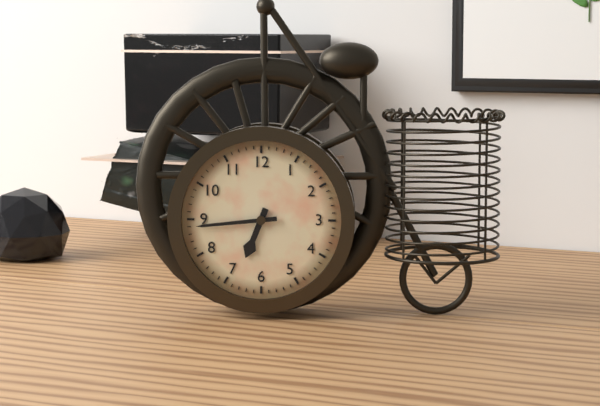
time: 6:44
